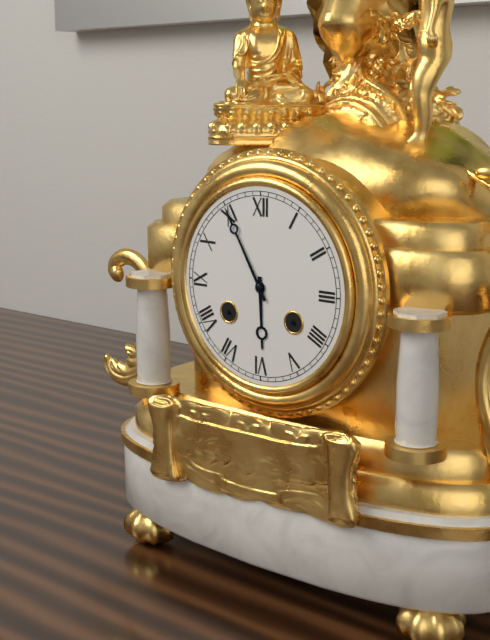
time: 5:55
